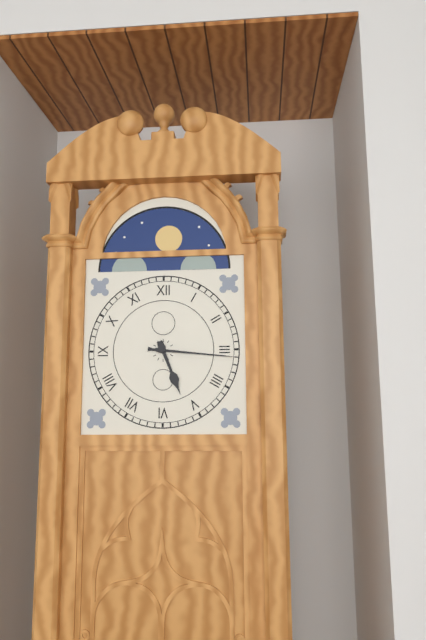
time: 5:16
